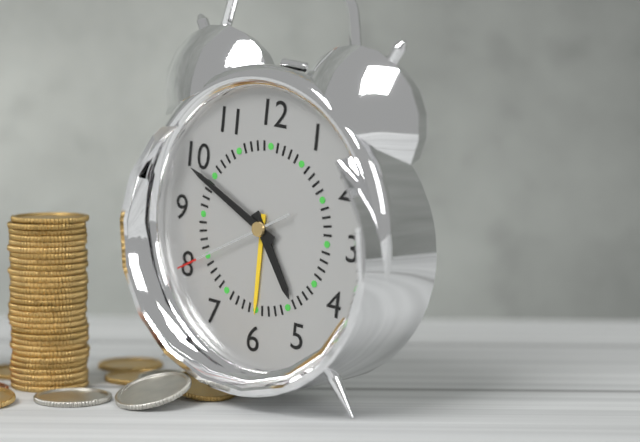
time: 4:49:40
